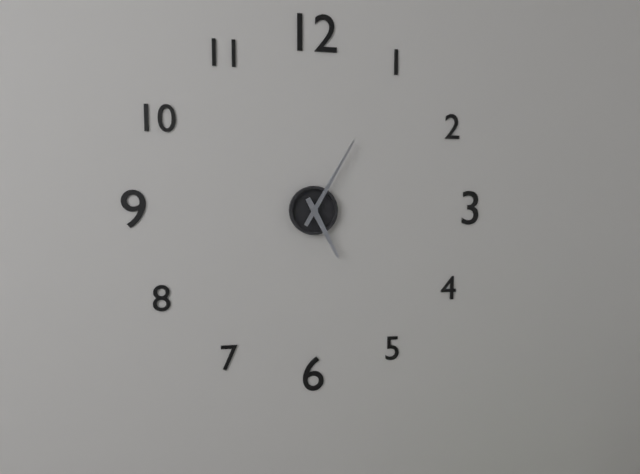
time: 5:05
